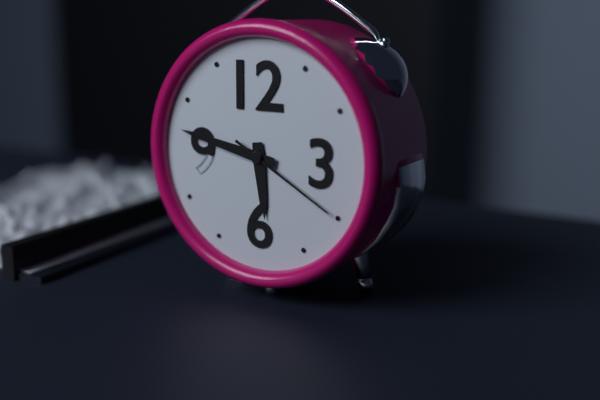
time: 5:47:20
